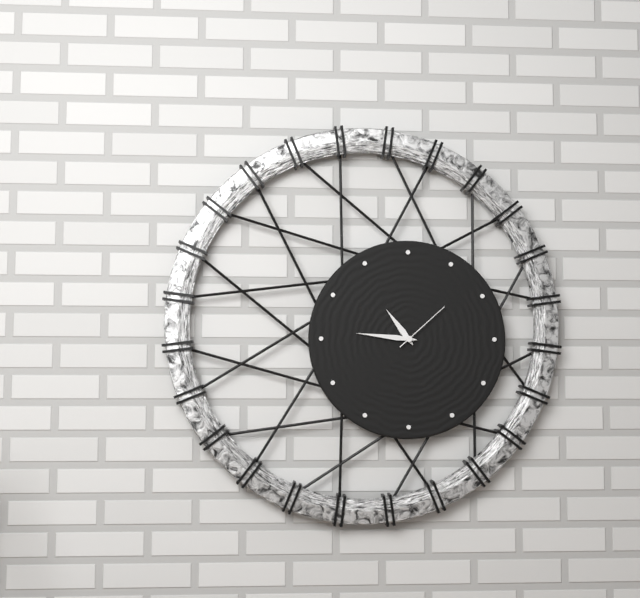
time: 10:46:08
